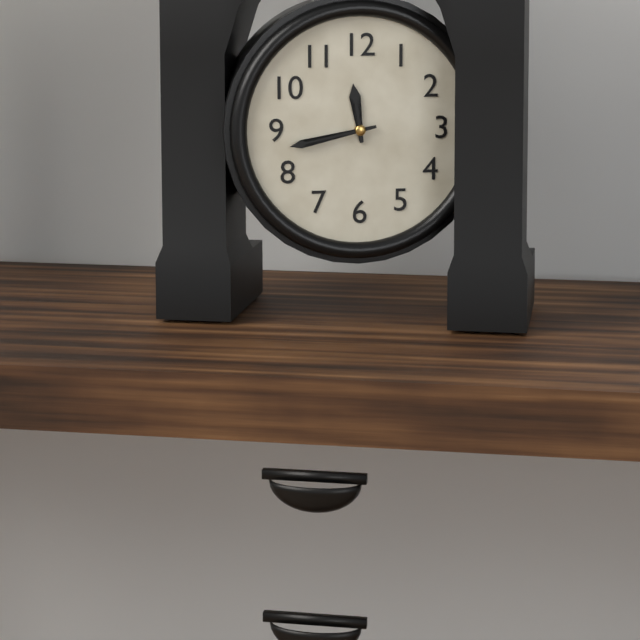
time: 11:43
